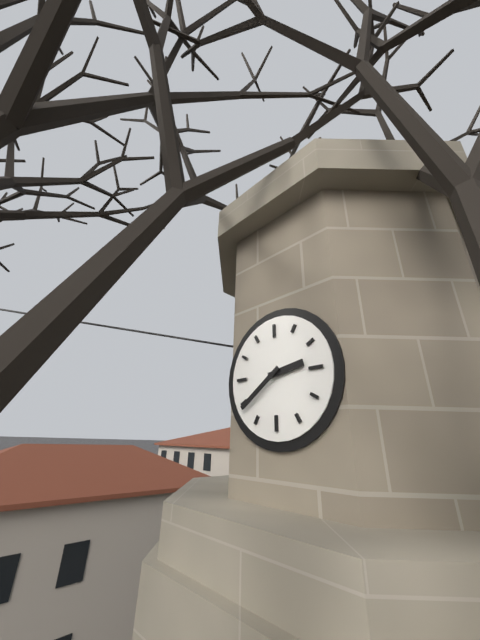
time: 2:39
